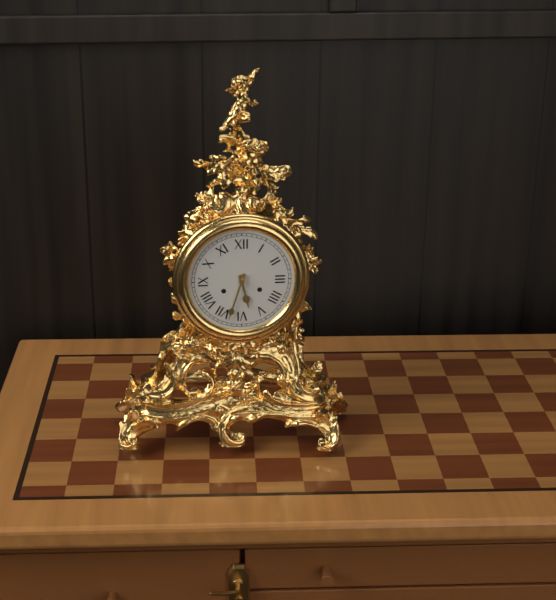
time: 5:33
